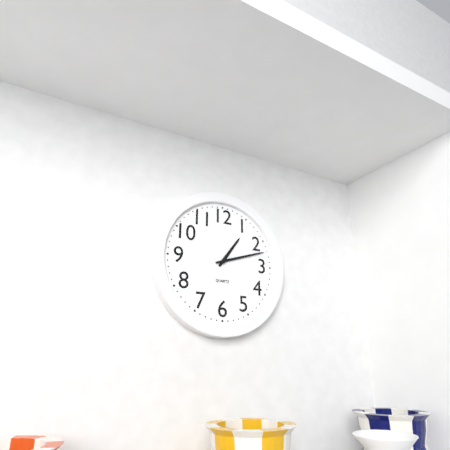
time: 1:12
